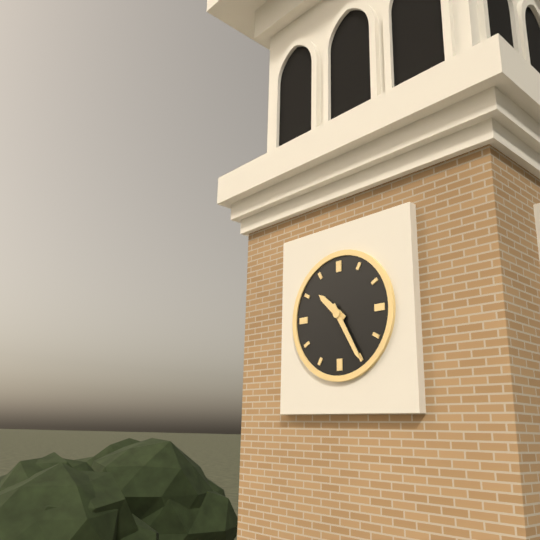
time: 10:25
